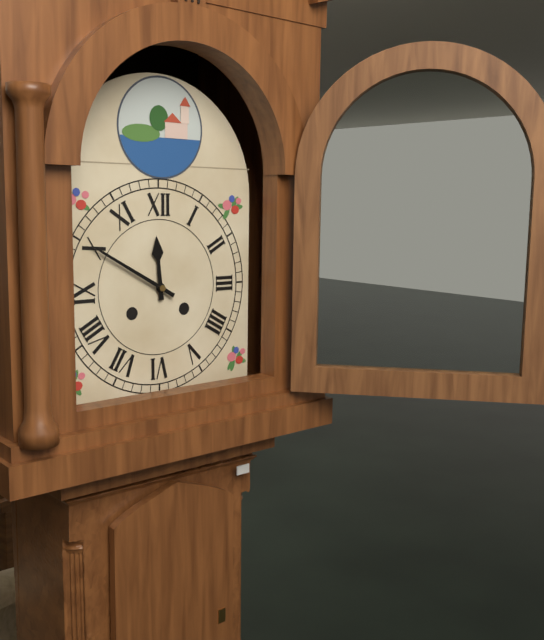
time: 11:50
